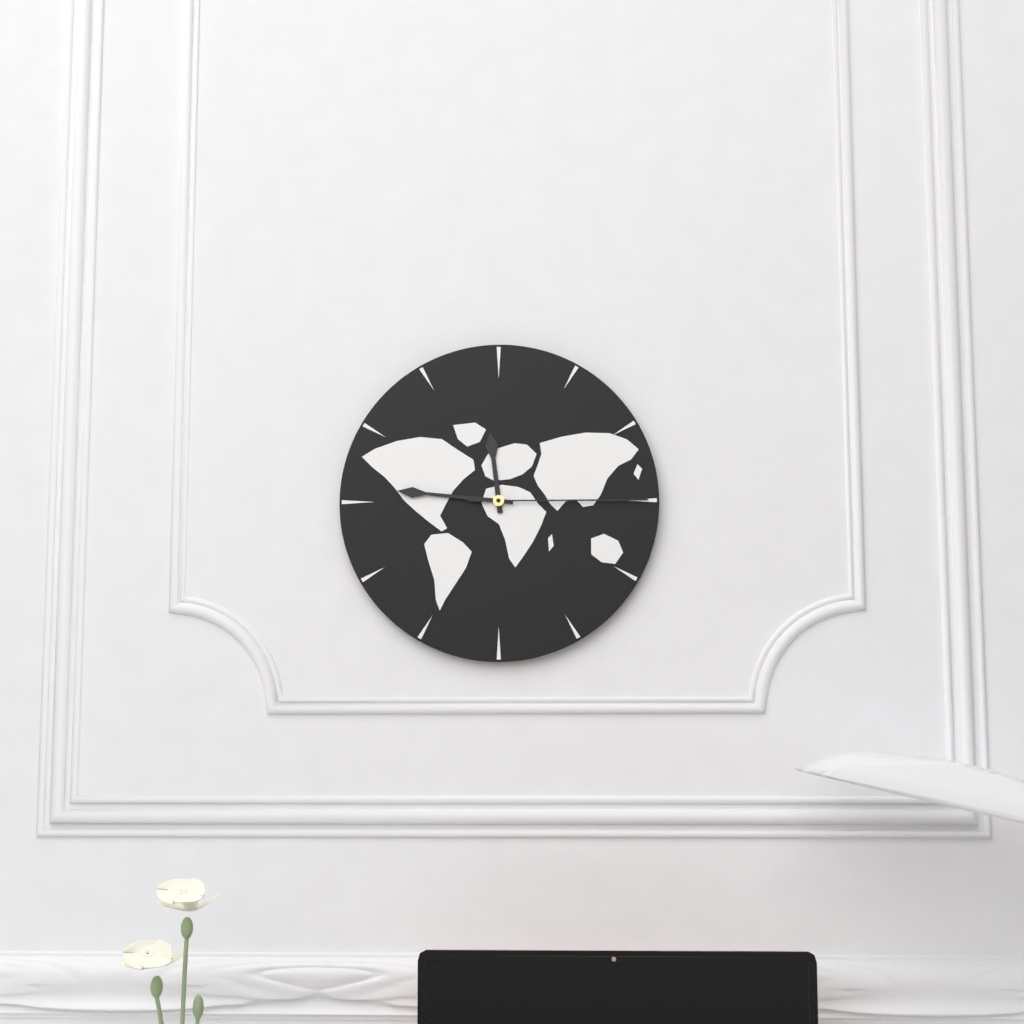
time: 11:46:15
